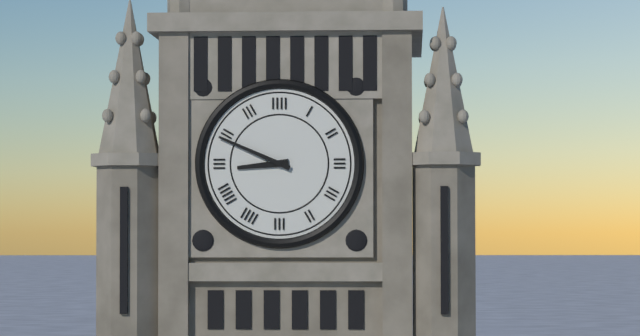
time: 8:49
